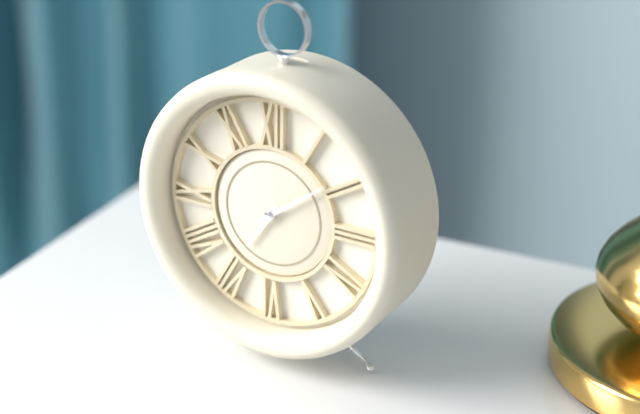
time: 7:09
